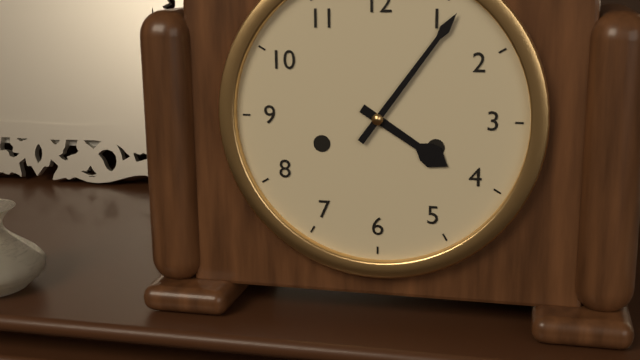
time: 4:06
